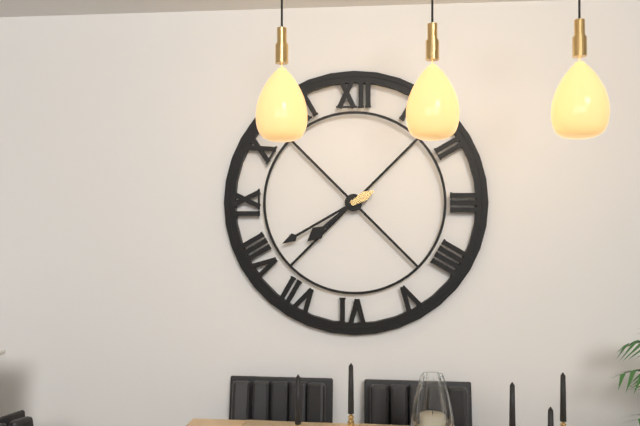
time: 7:40
